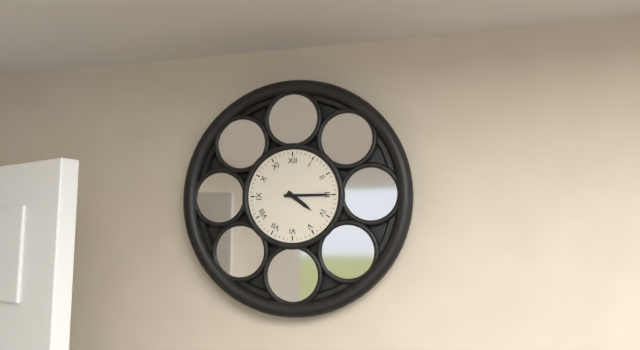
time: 4:15
